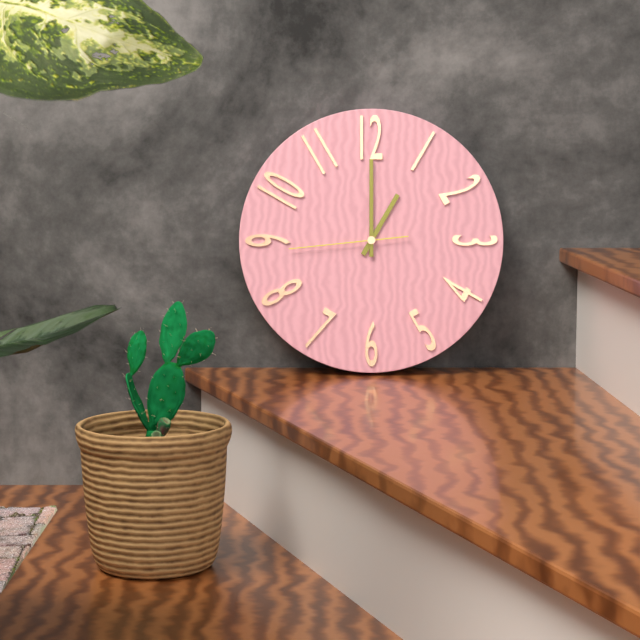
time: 1:00:44
